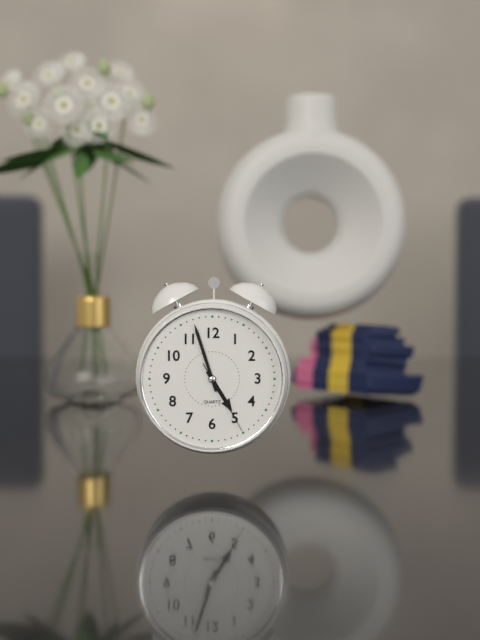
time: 4:57:25
